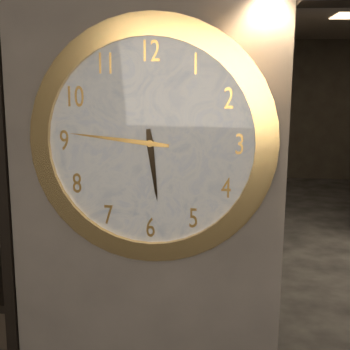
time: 5:46
